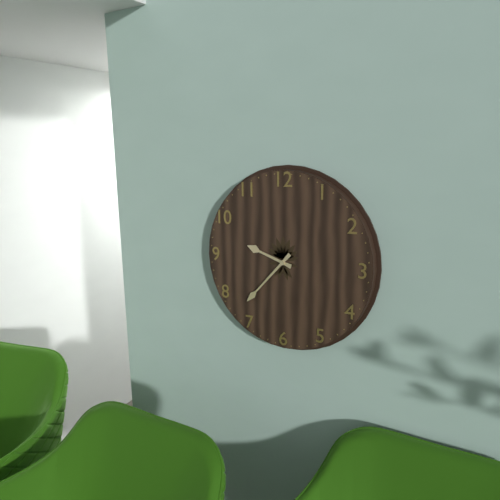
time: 9:37
